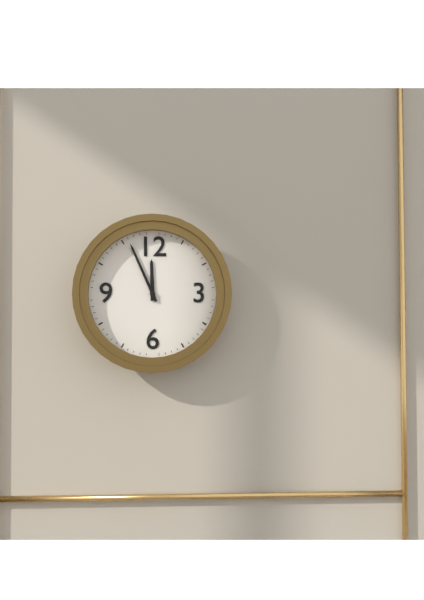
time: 11:56
